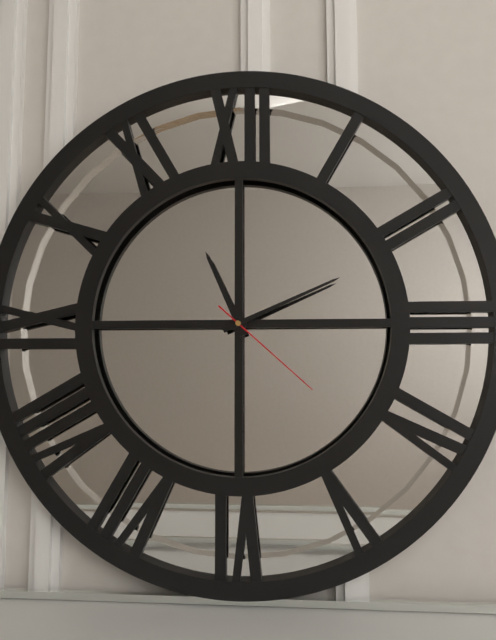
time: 11:11:22
